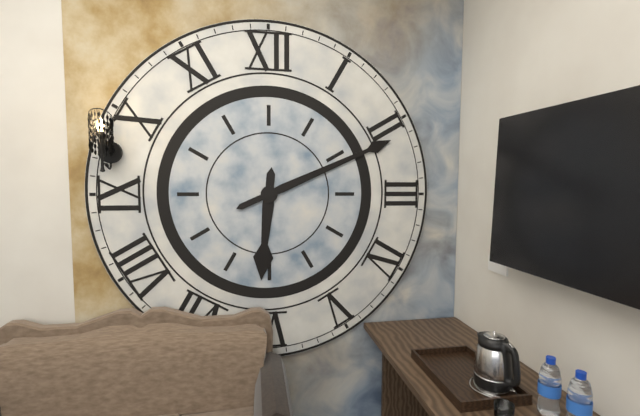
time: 6:11
